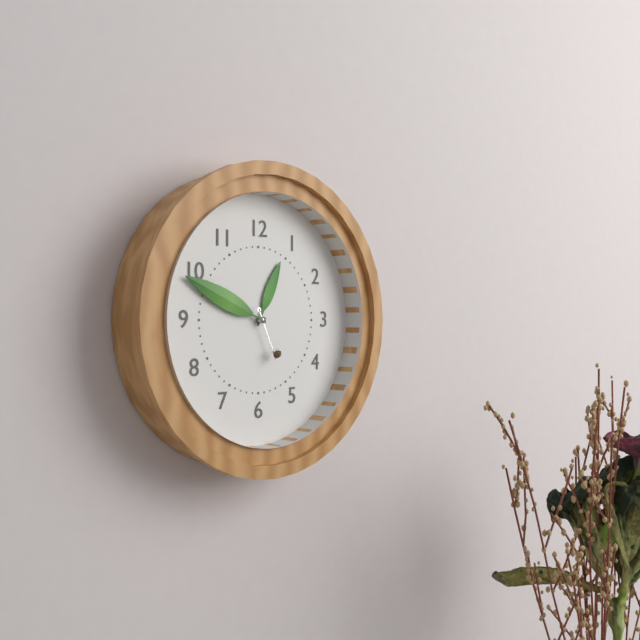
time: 12:49:26
